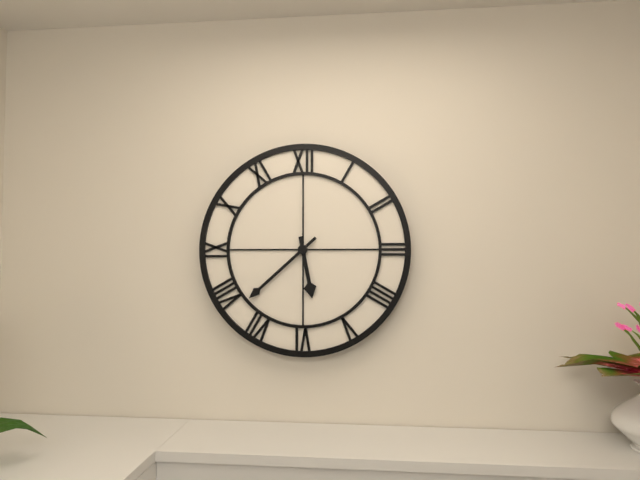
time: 5:38
